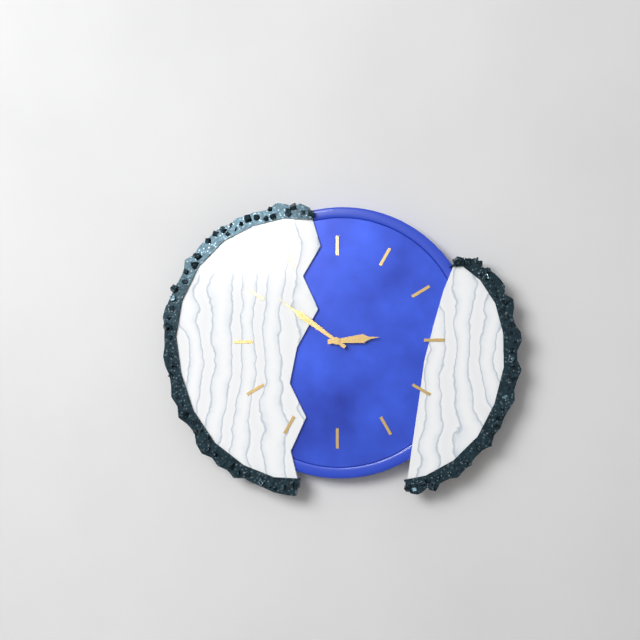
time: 2:51
